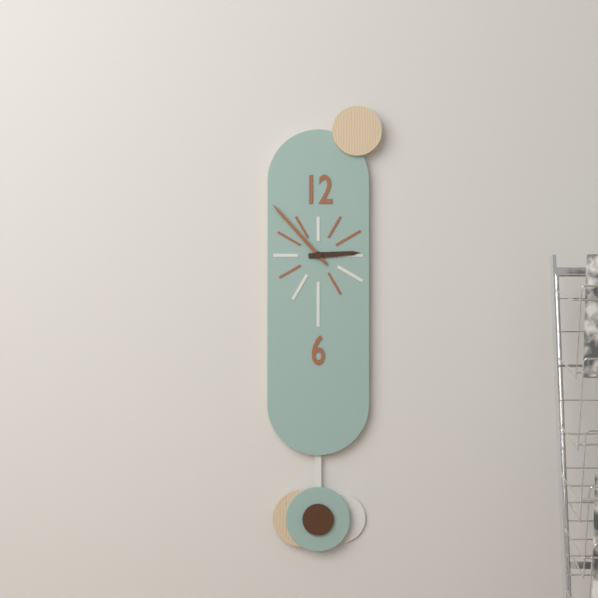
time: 2:53
